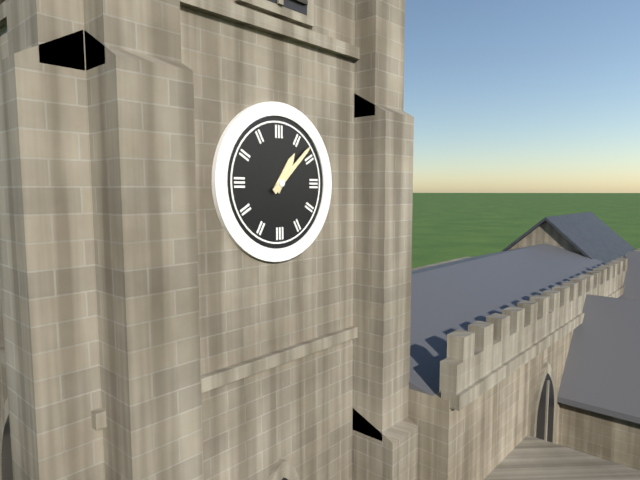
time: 1:08
